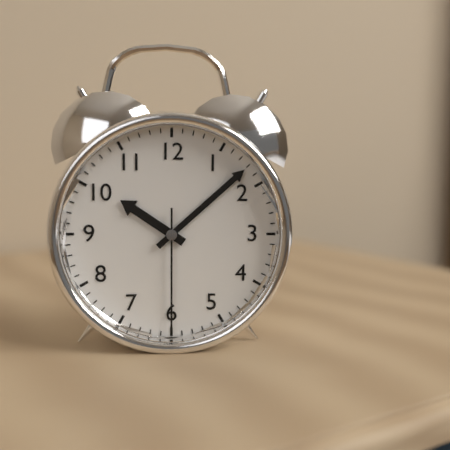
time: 10:08:30
